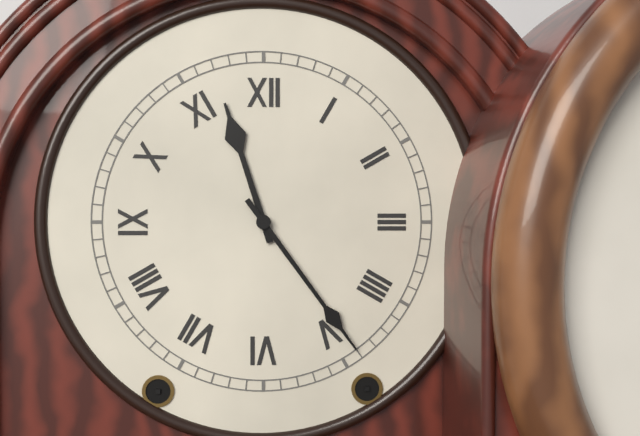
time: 11:24
